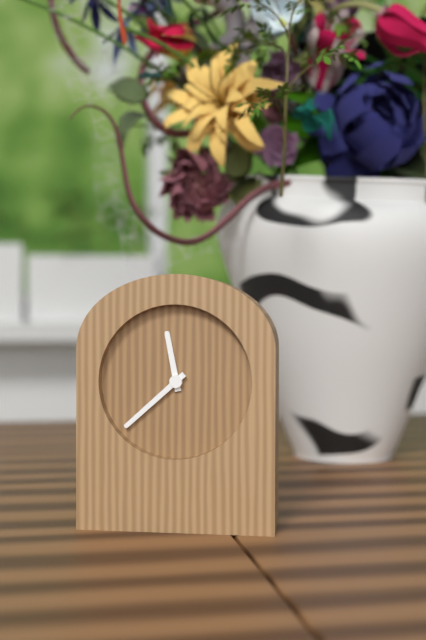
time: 11:38
